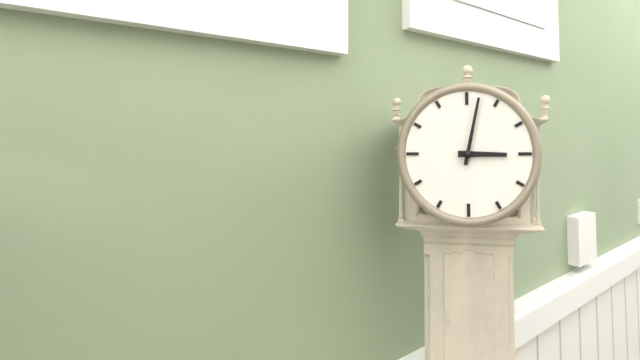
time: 3:02
